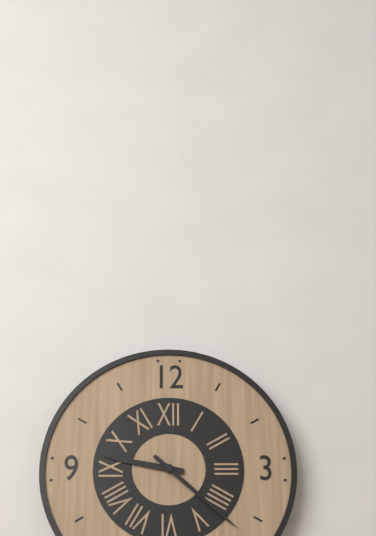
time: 9:22
